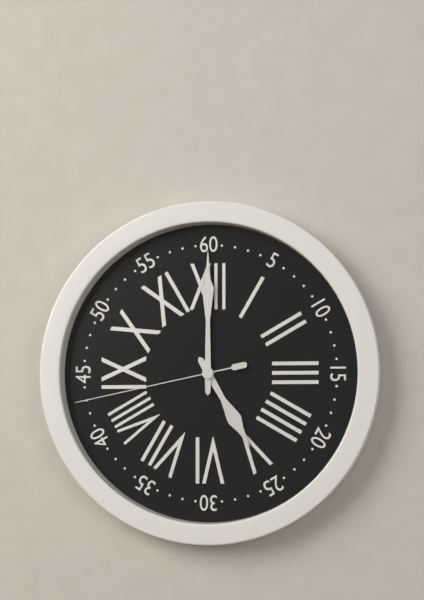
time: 5:00:43
